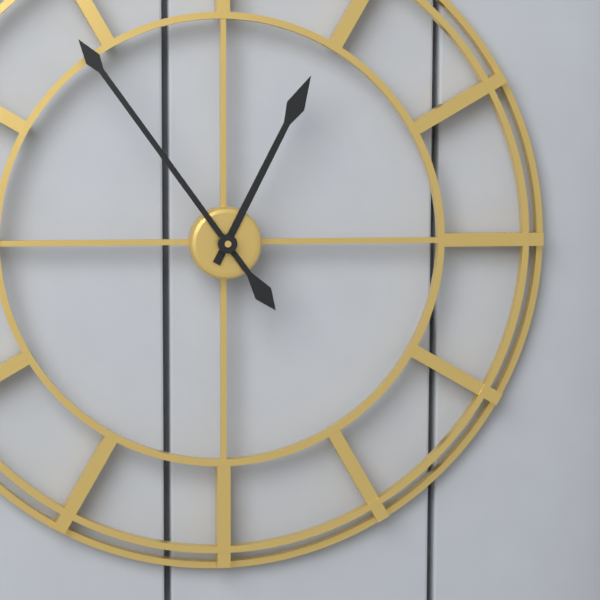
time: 12:54
